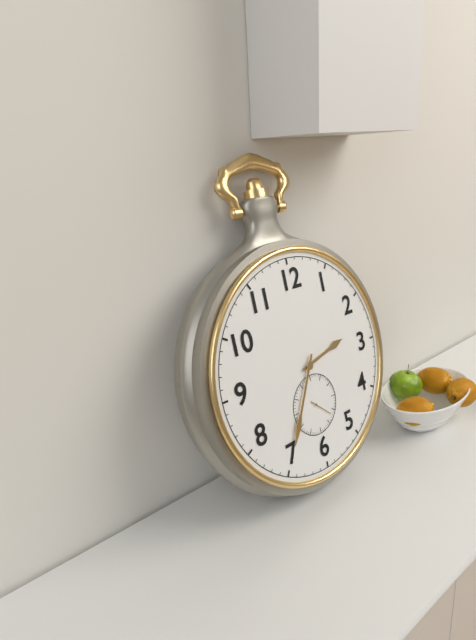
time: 2:35
